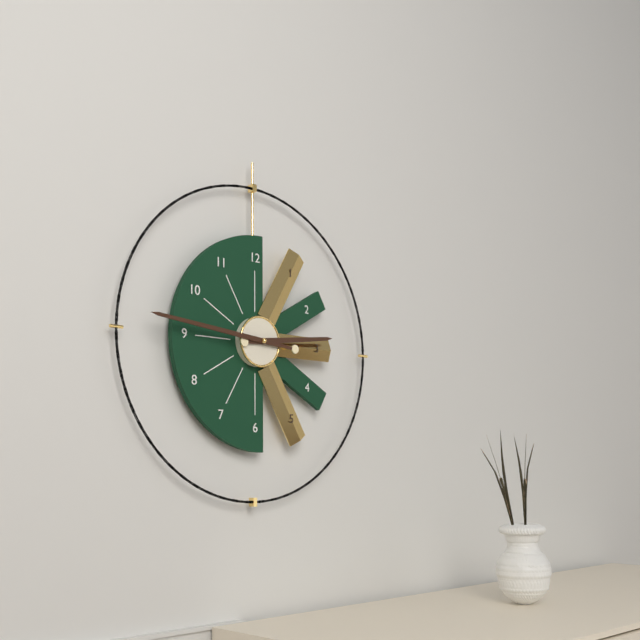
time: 2:46
